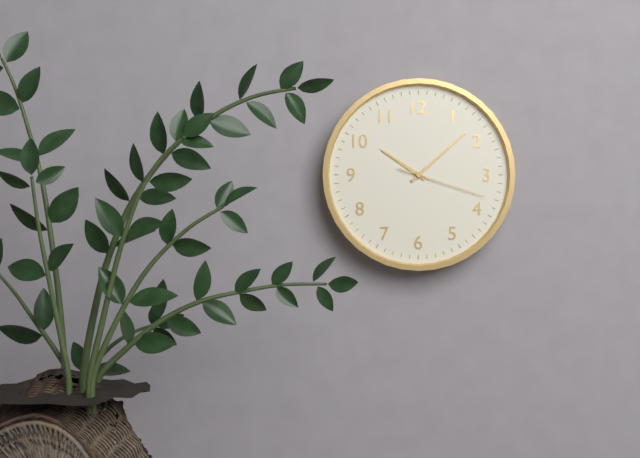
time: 10:08:18
